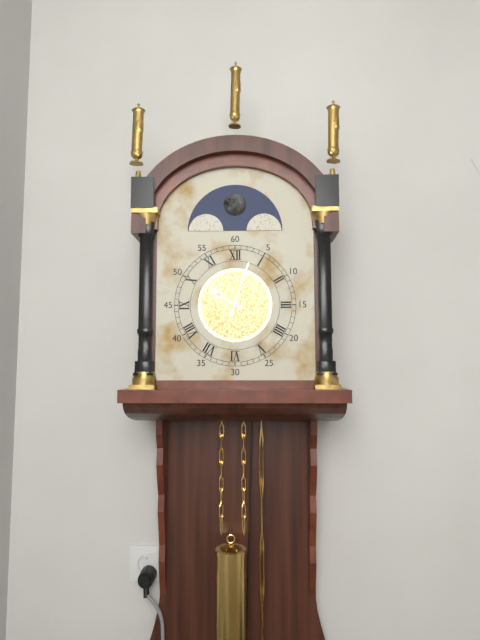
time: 10:03
